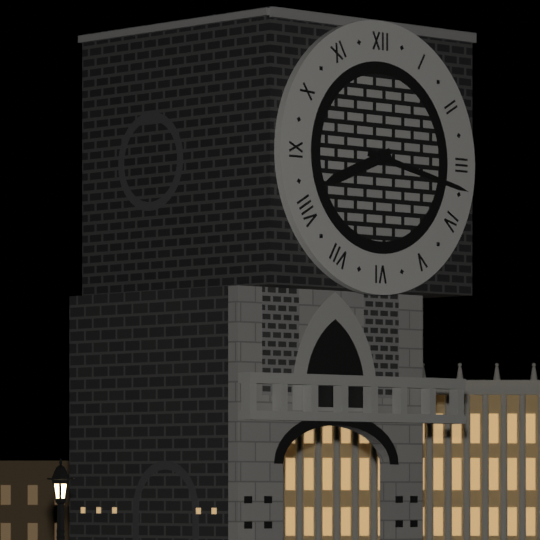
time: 8:17
